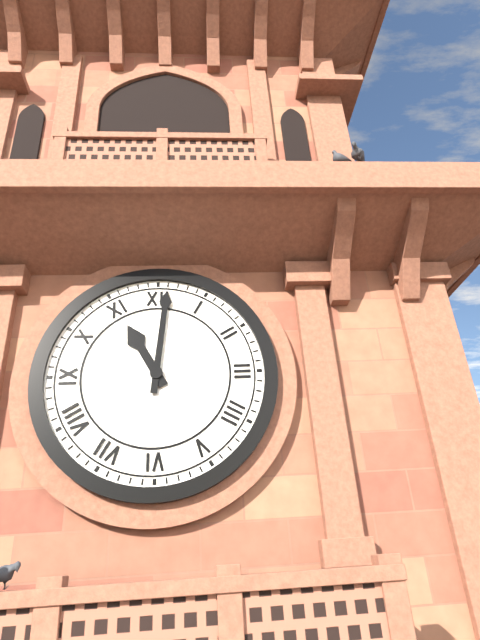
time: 11:01
